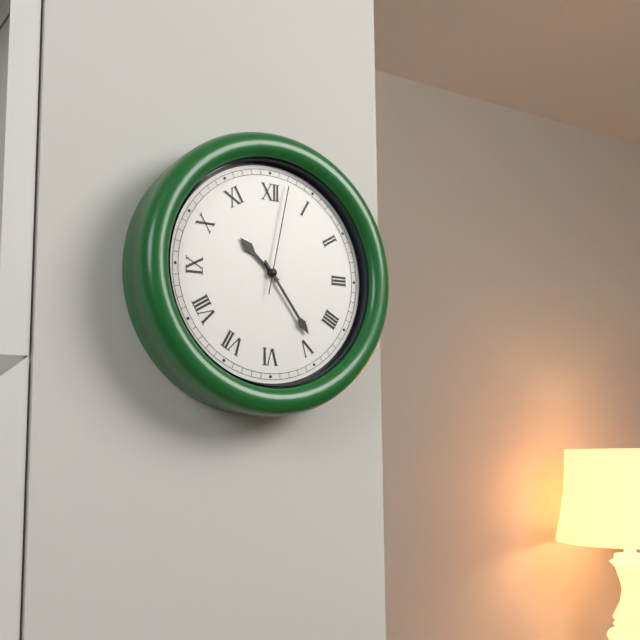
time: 10:24:02
